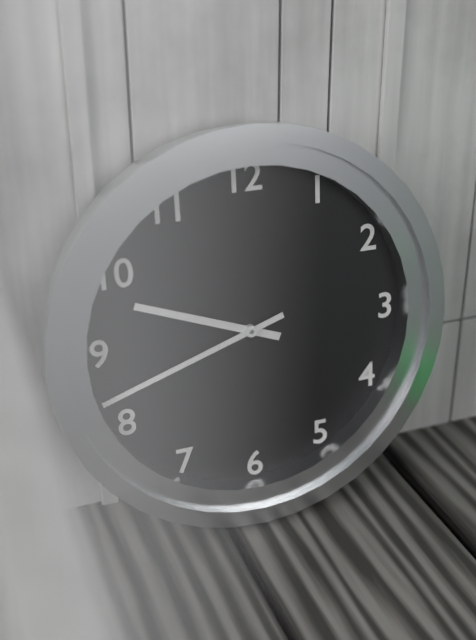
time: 9:42
